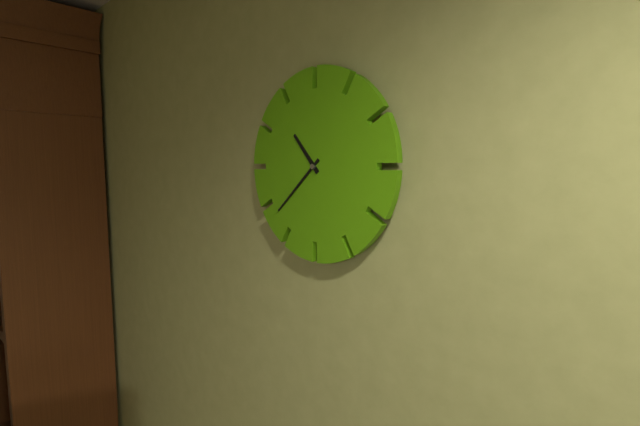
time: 10:38
